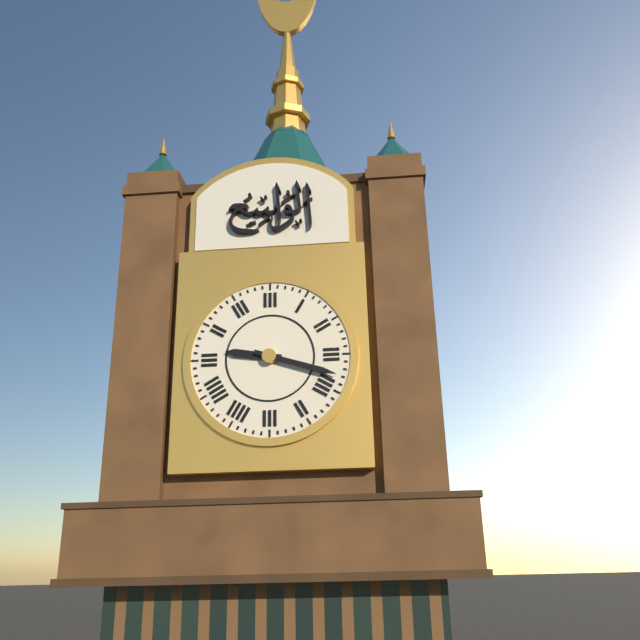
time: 9:18
